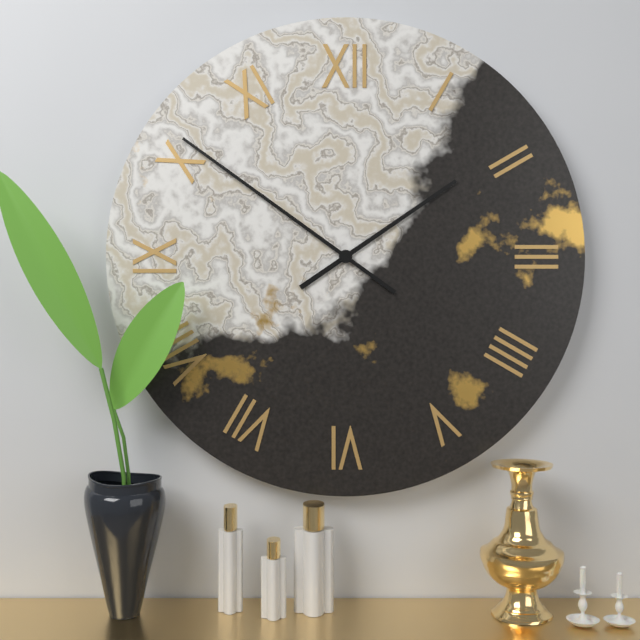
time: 1:51
